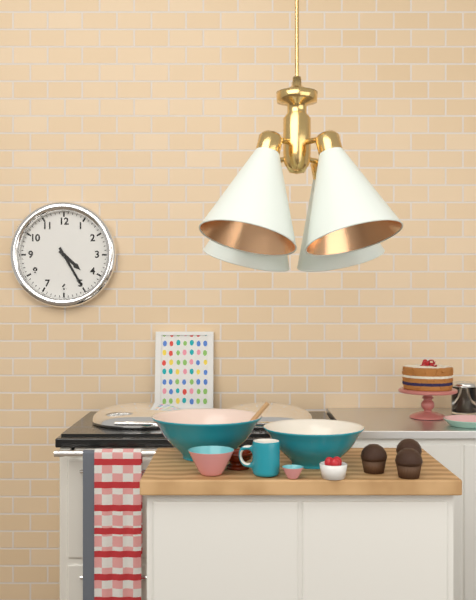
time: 4:25
